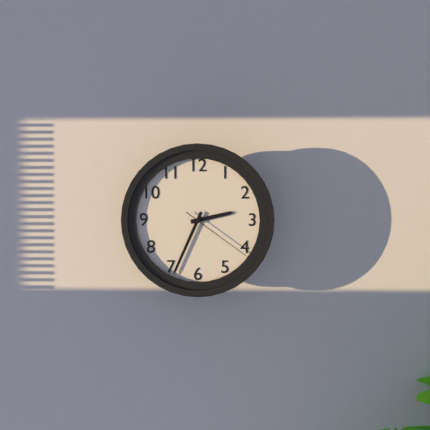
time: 2:34:21
